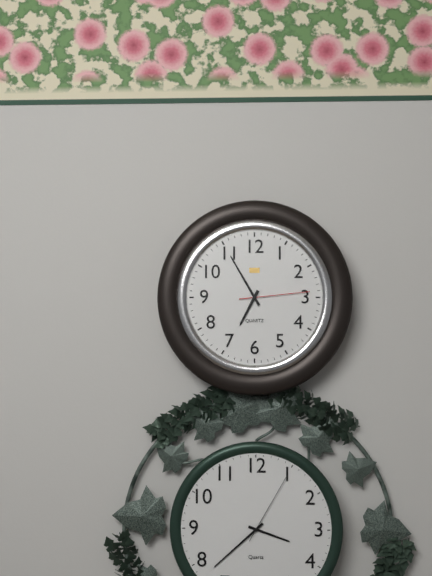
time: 6:55:14
